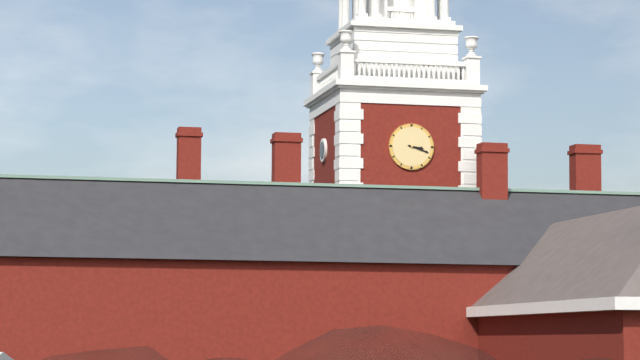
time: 3:18
